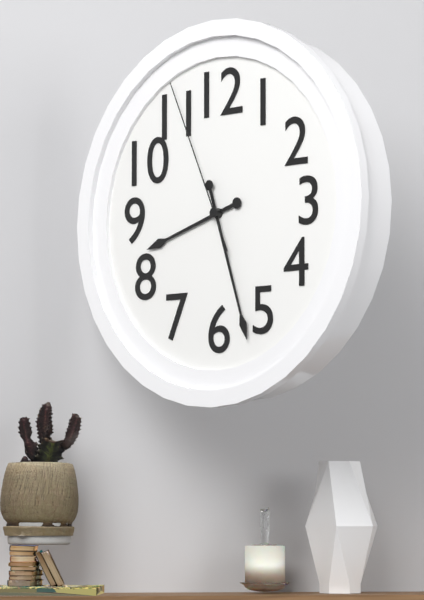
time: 8:27:56
